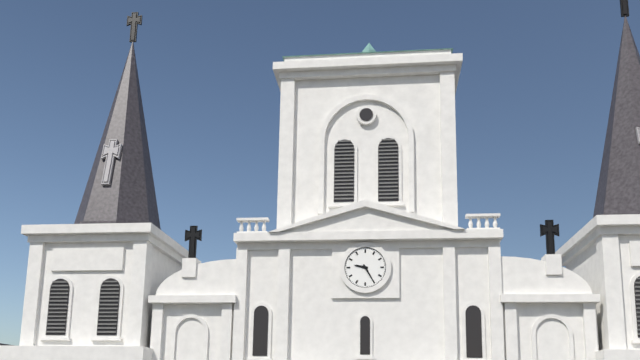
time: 9:25
